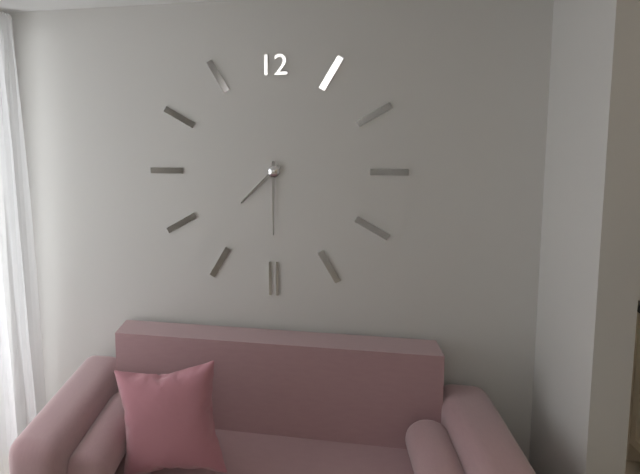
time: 7:30
